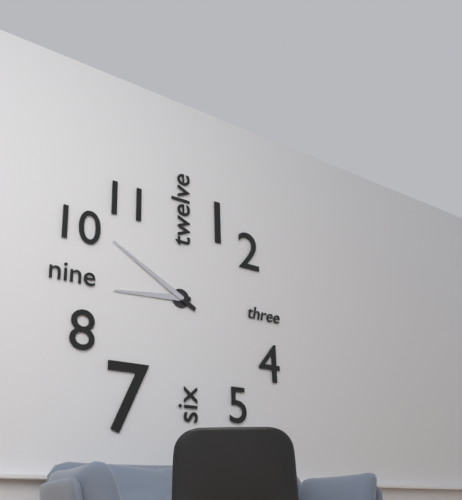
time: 8:50
